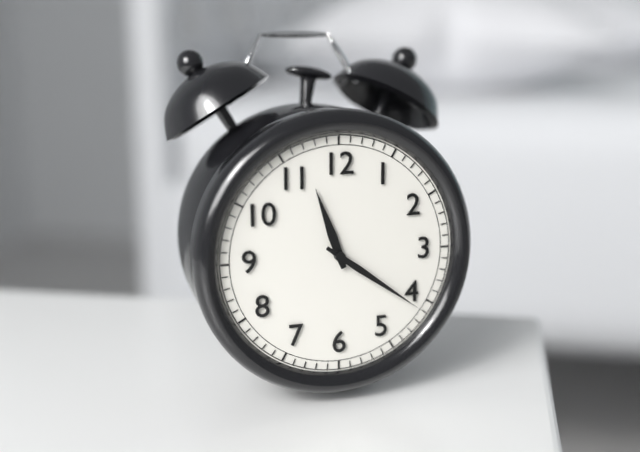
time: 11:21
